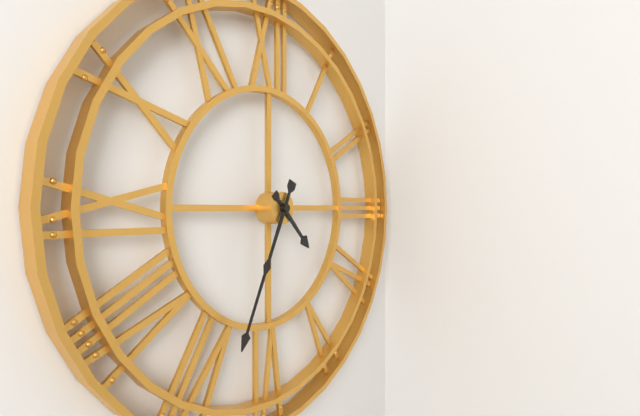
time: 4:34
